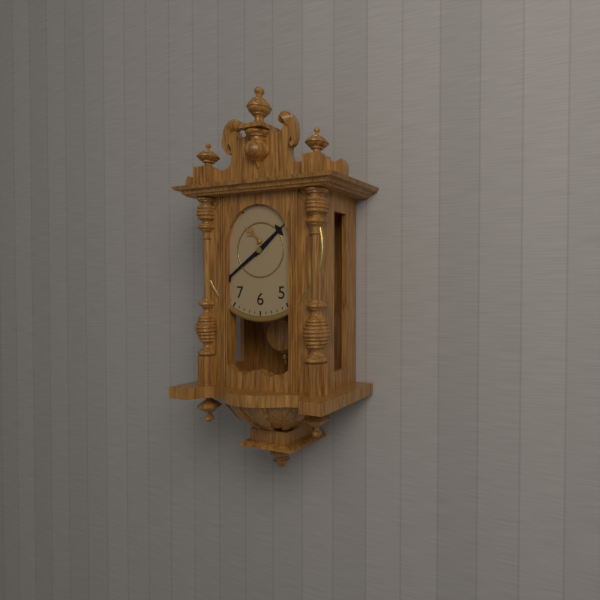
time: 1:39
